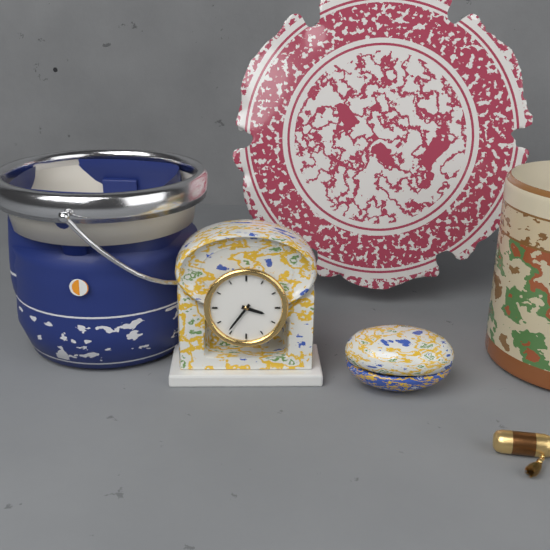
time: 3:36
